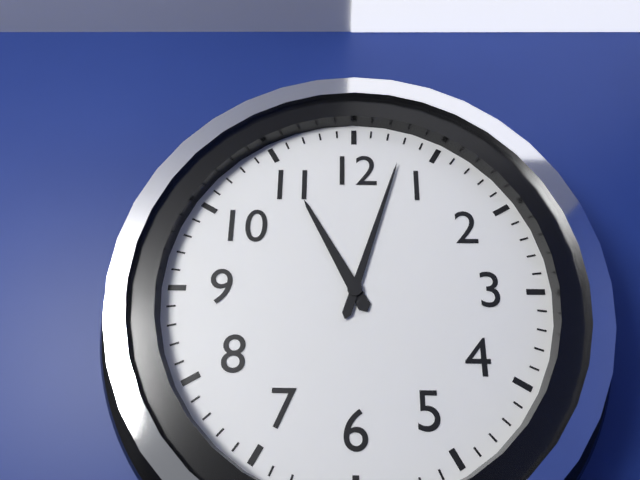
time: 11:03
